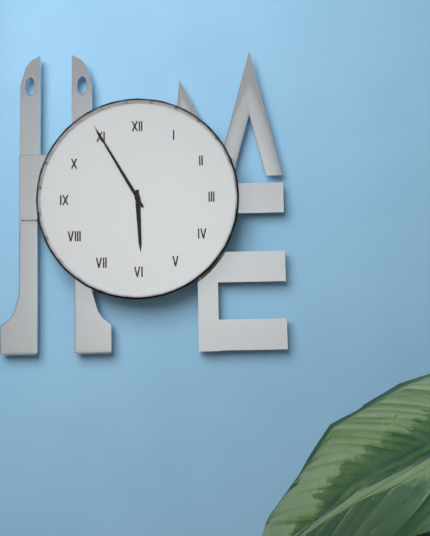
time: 5:55
